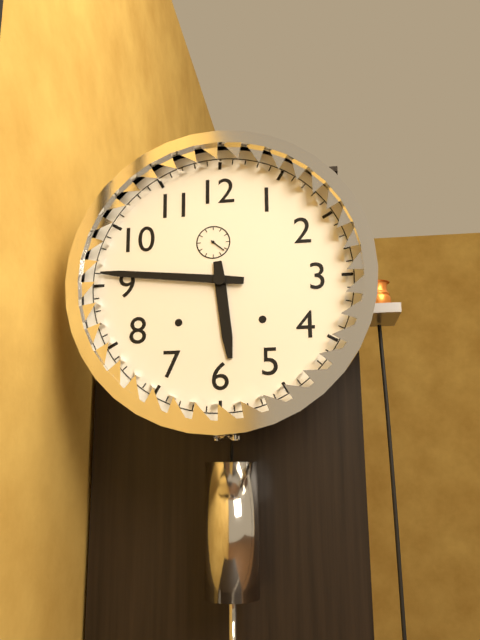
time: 5:46
